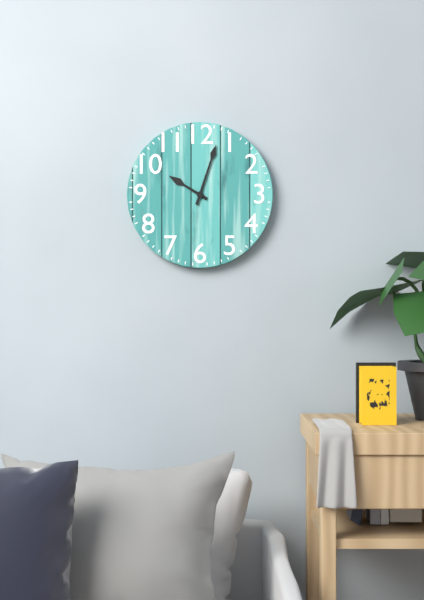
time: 10:03
